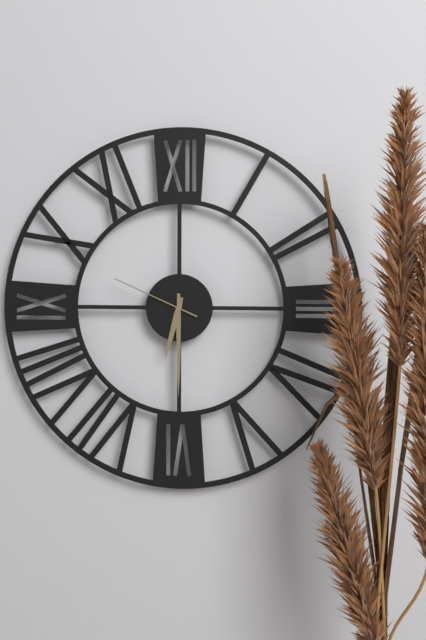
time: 6:30:49
